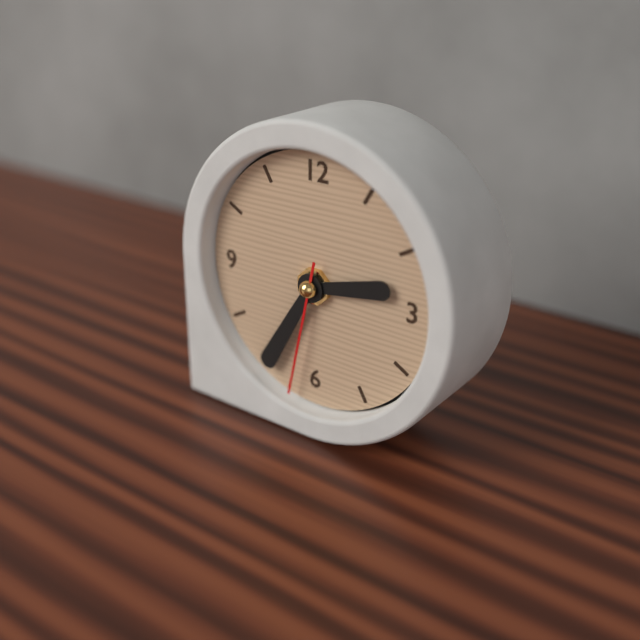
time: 2:35:32
